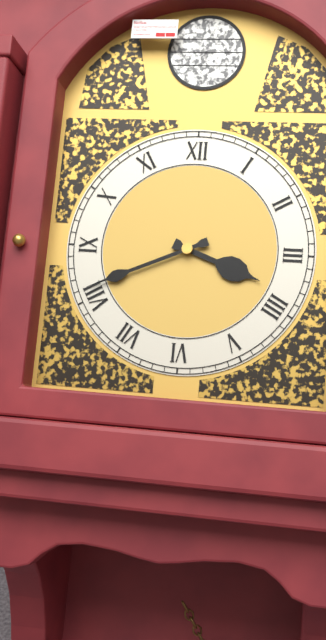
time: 3:41
